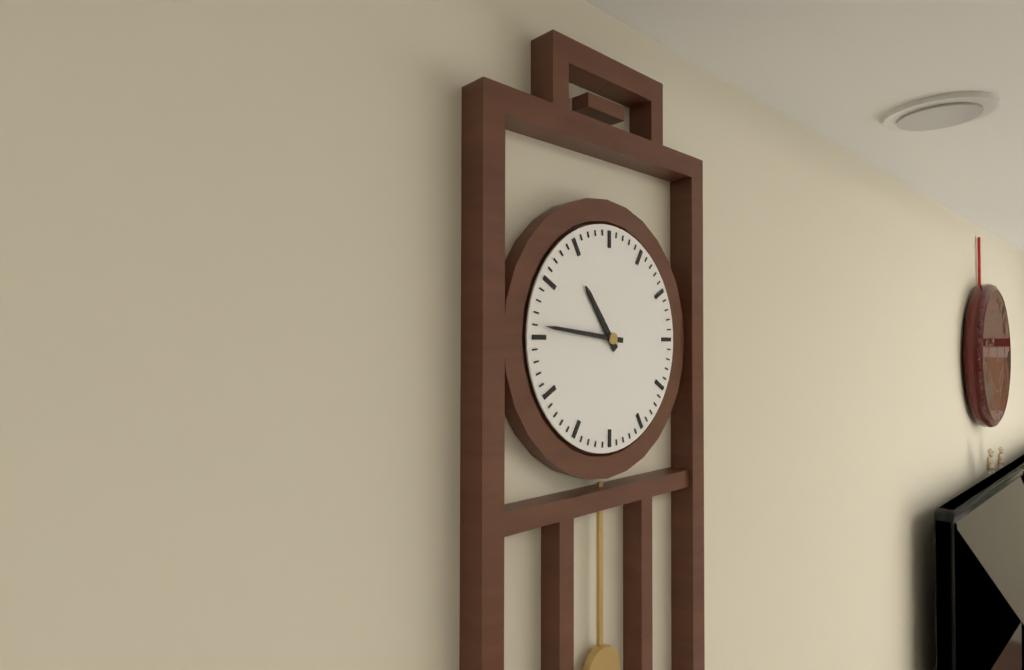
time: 10:46
